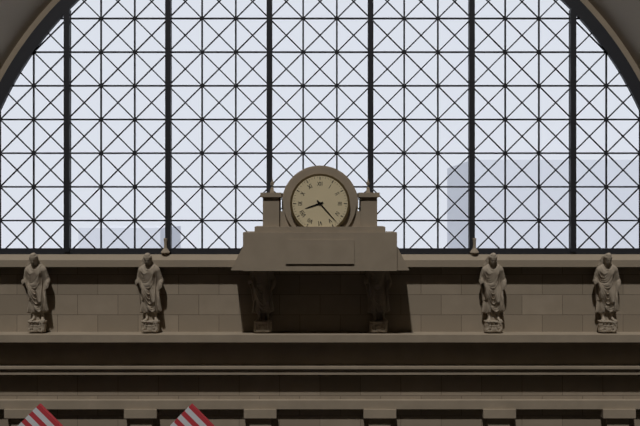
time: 8:23
